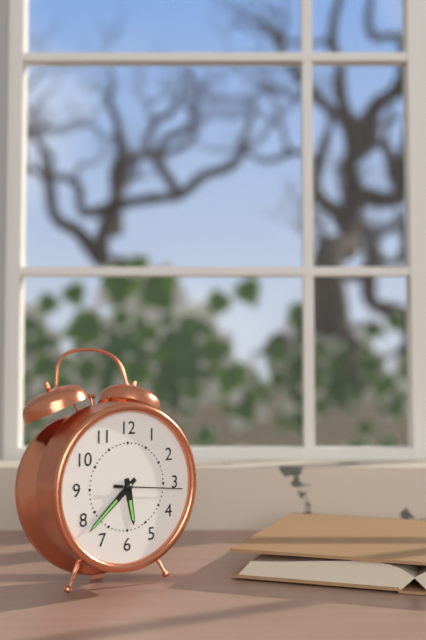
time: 5:38:16
